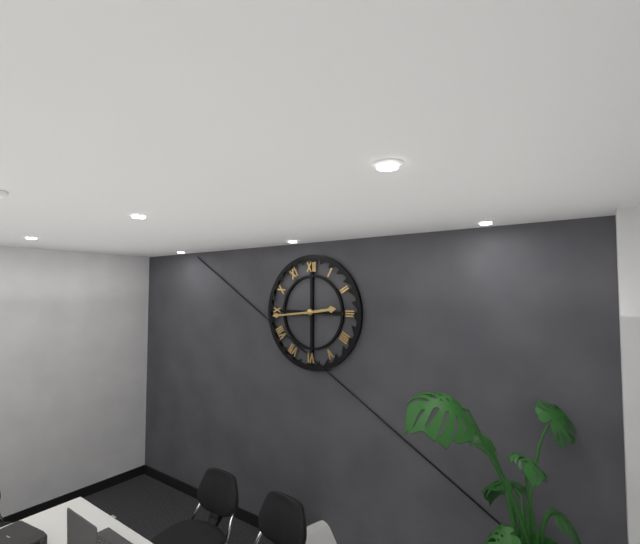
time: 2:44
